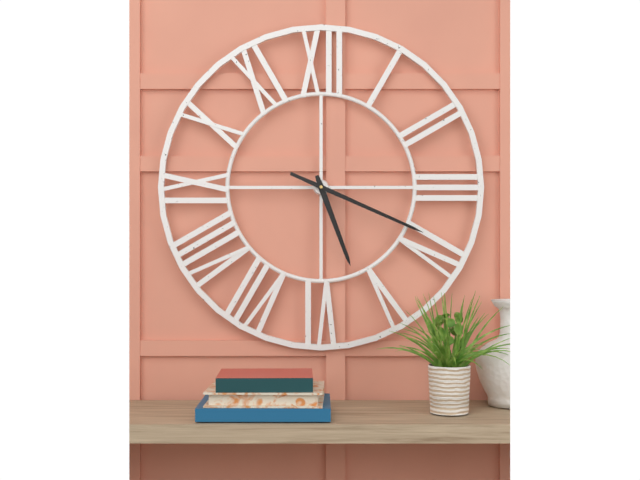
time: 5:19
